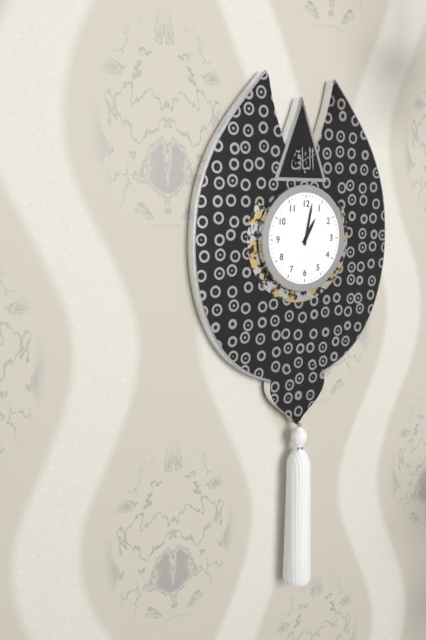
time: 1:02
